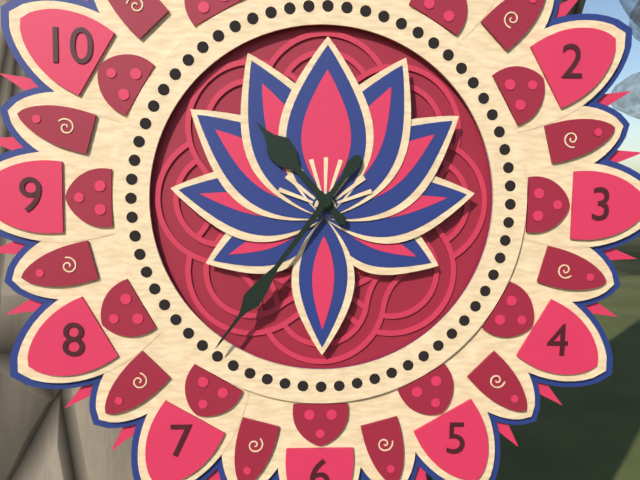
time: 10:36
